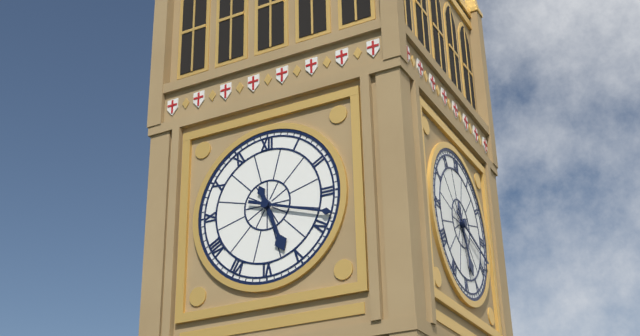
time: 5:18
